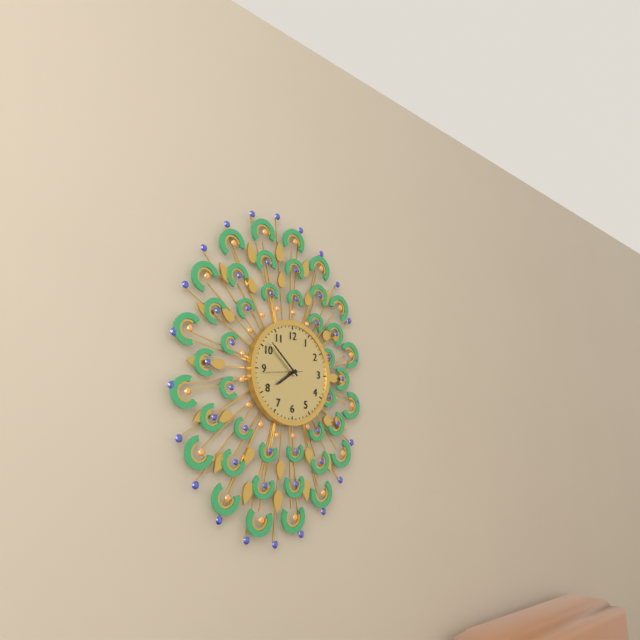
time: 7:52
